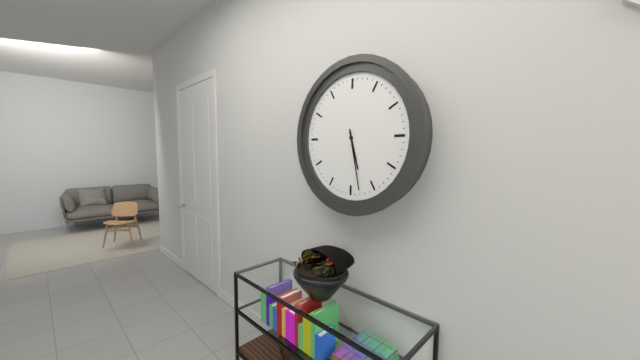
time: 5:28
